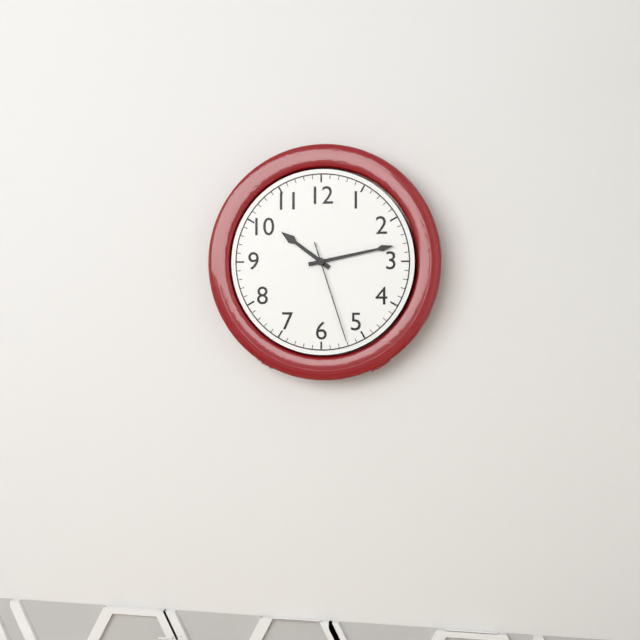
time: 10:13:27
